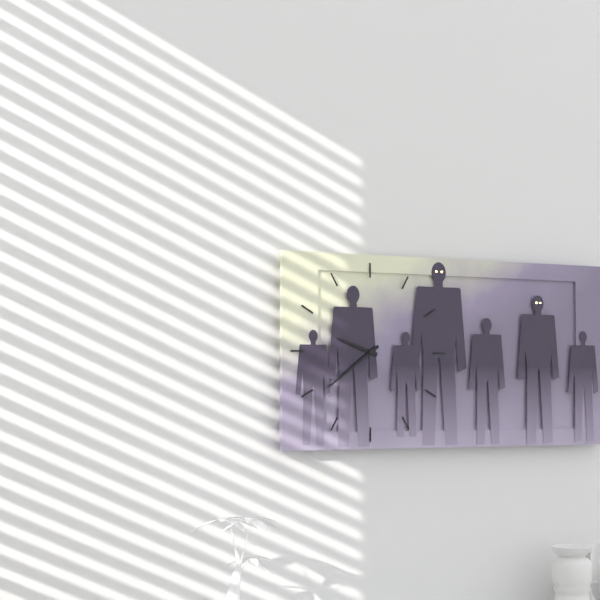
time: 9:39
